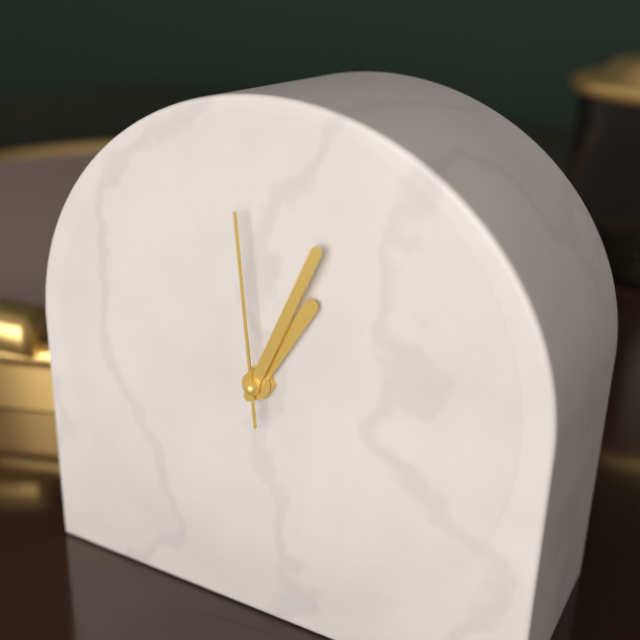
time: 1:04:59
